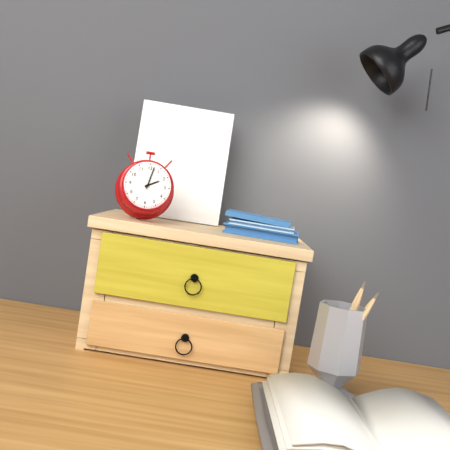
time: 2:02
